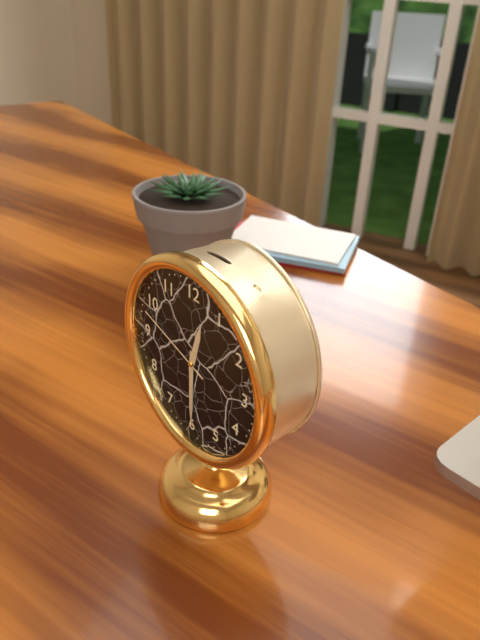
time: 12:30:48
